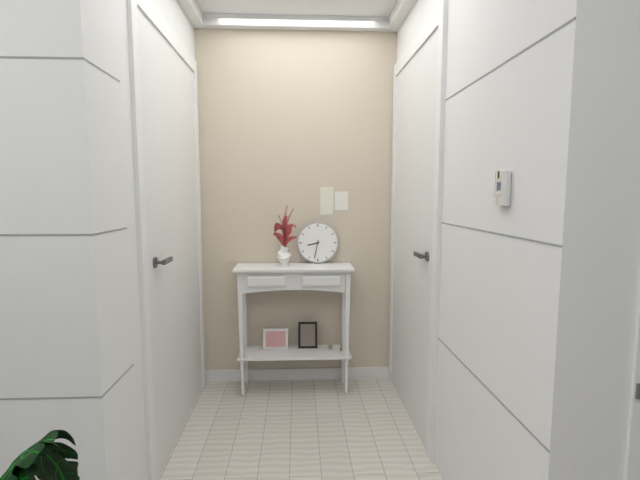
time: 8:32
